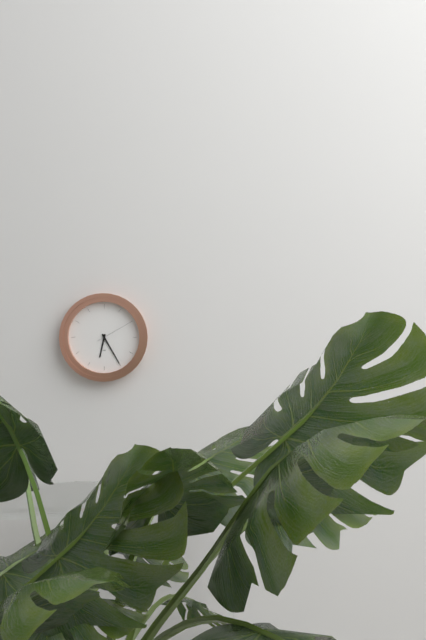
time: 6:25
